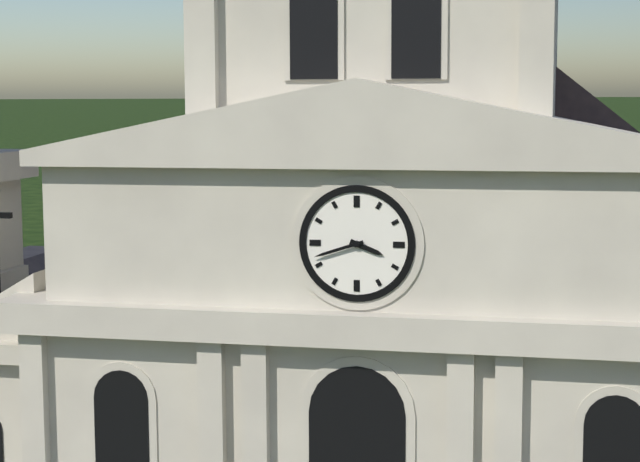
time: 3:42
